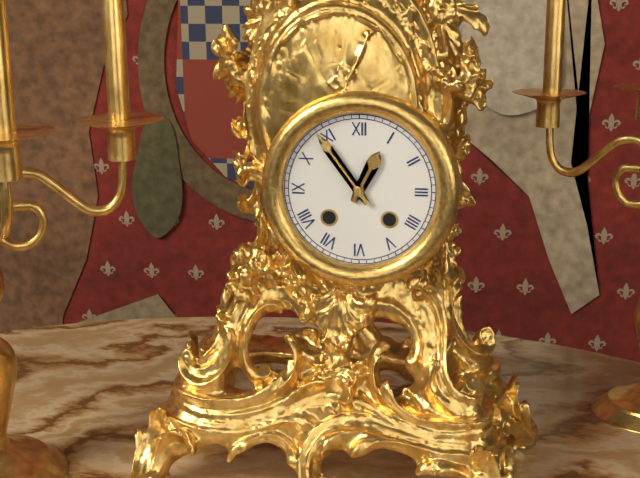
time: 12:54
